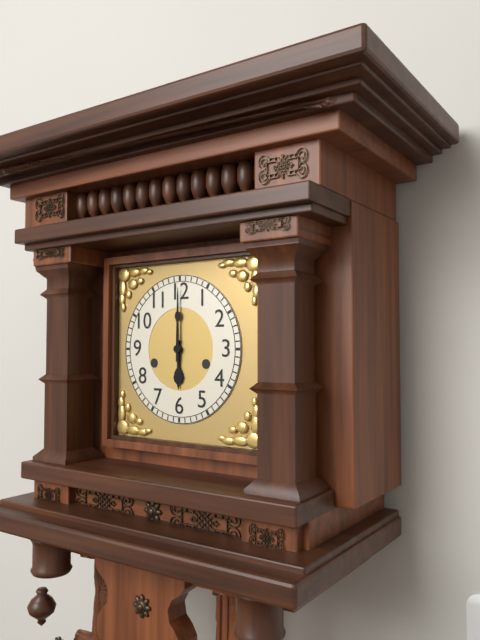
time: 6:00
